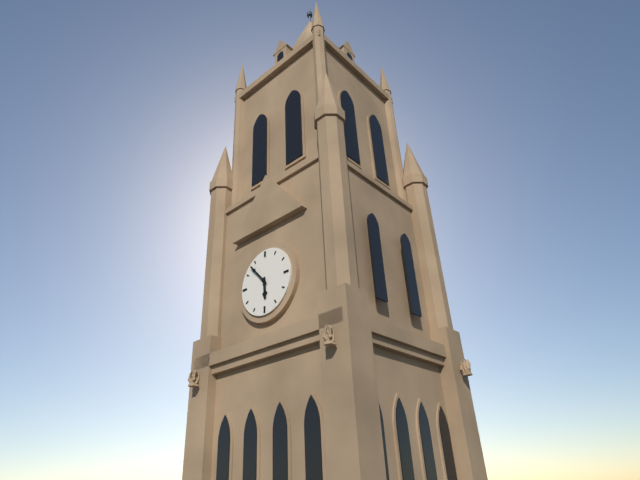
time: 5:53
